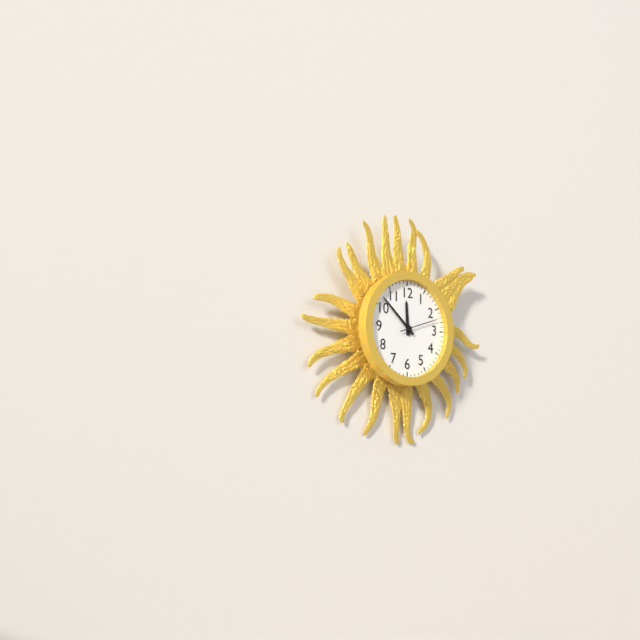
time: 11:52
